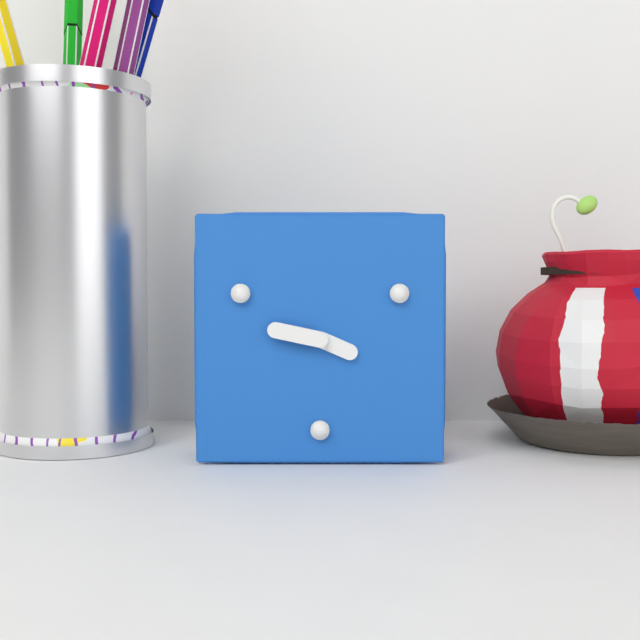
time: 3:47
